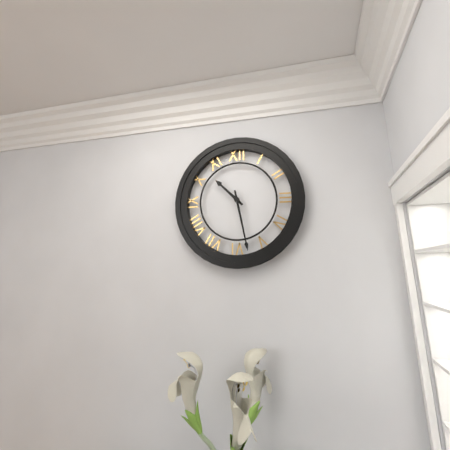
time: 10:28
